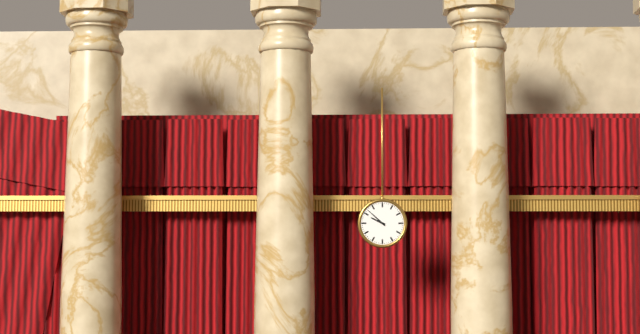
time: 9:52
